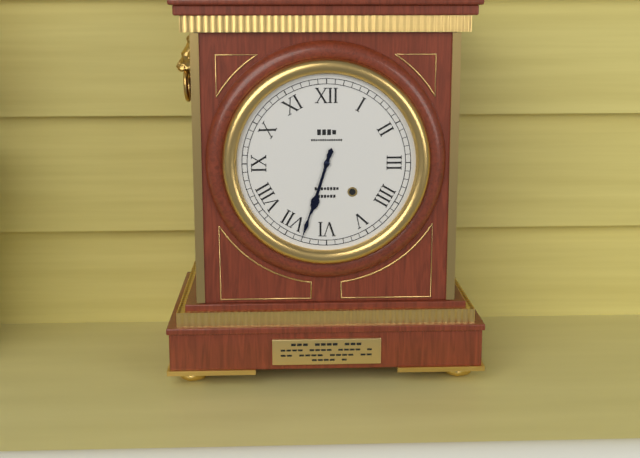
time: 6:33
